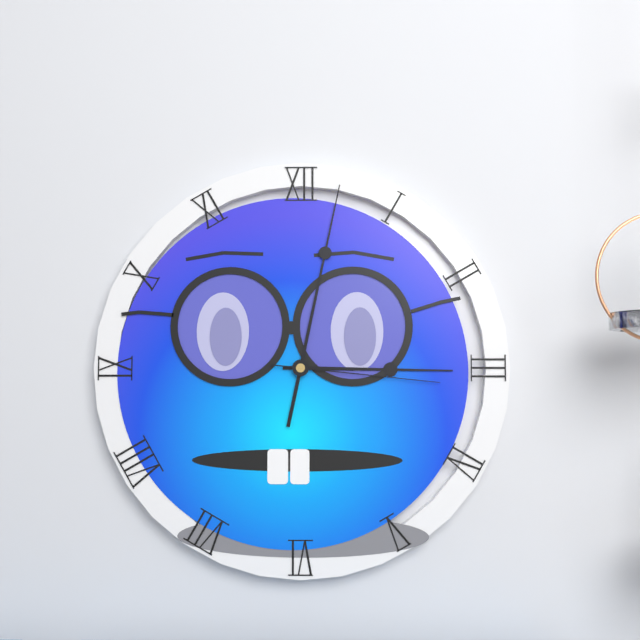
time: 3:02:16
